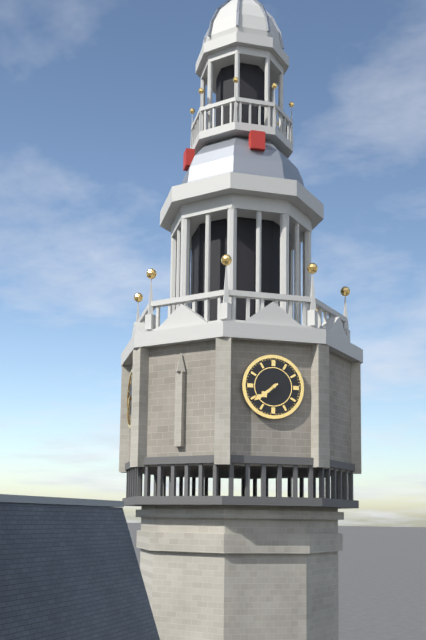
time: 7:39
